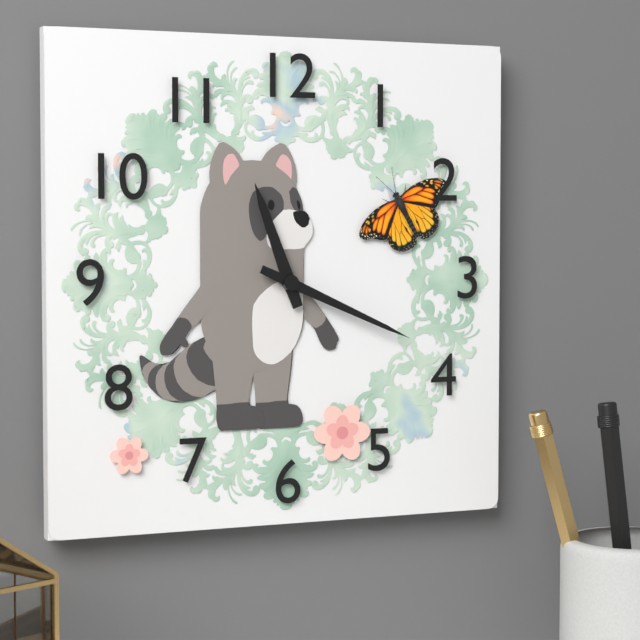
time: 11:19
